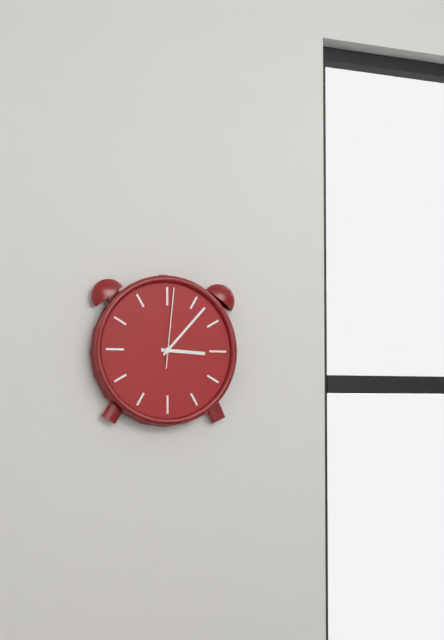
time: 3:07:01
